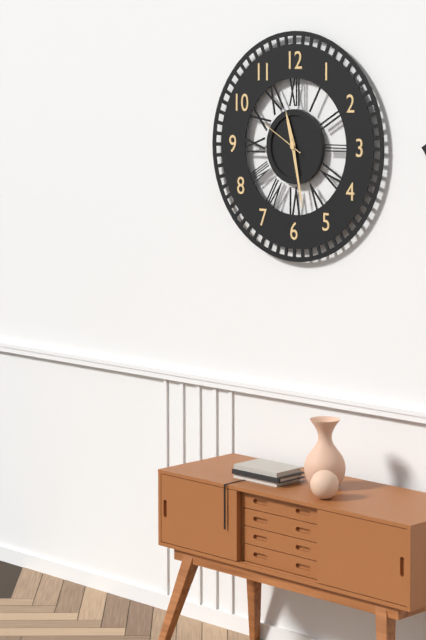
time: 11:28
